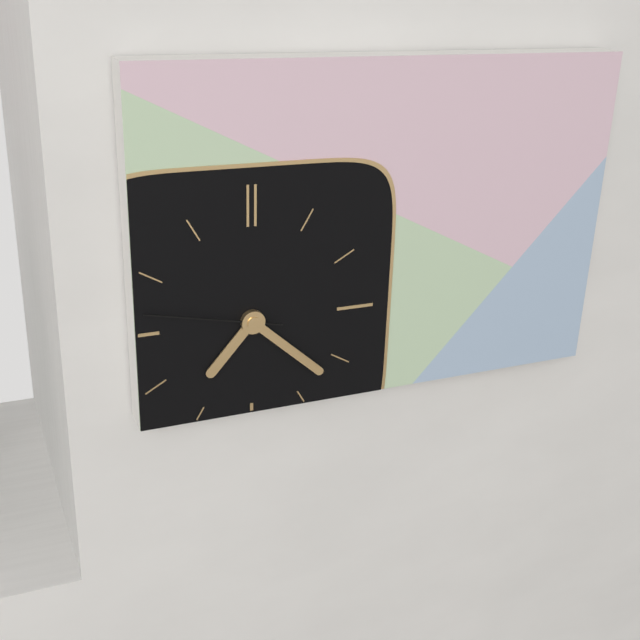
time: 7:22:47
